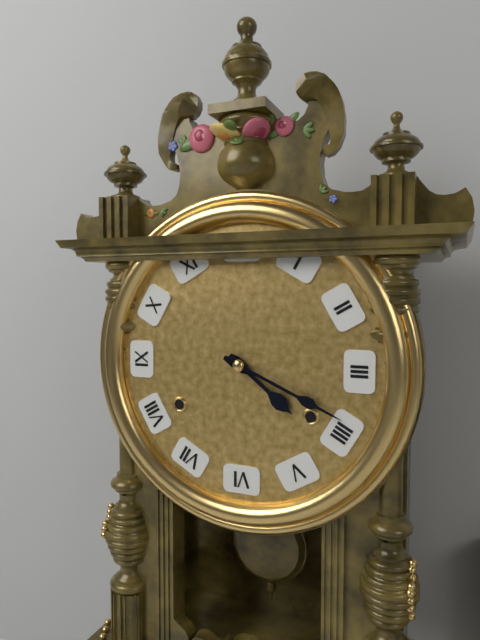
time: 4:19
